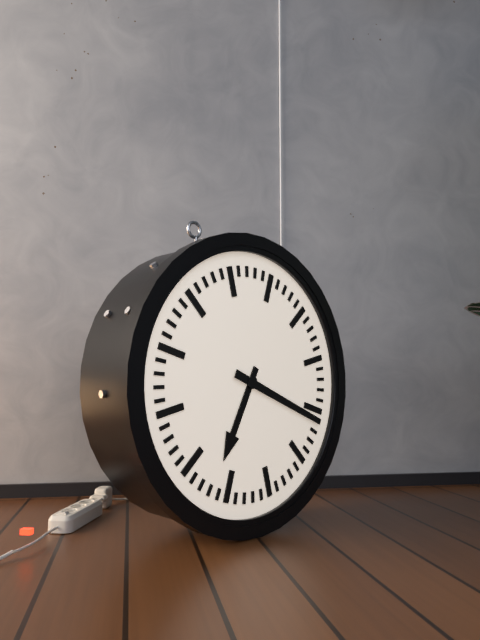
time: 7:21
